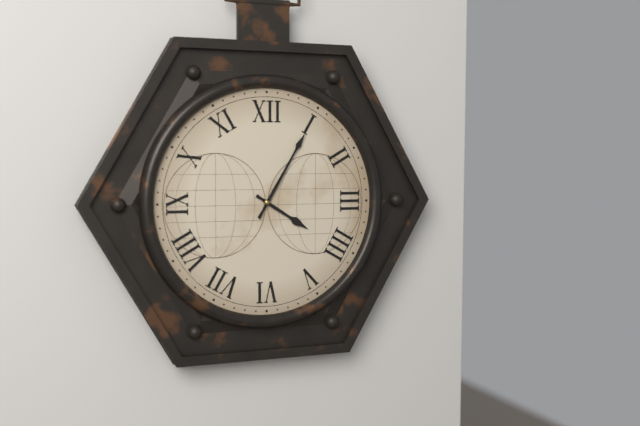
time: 4:05
